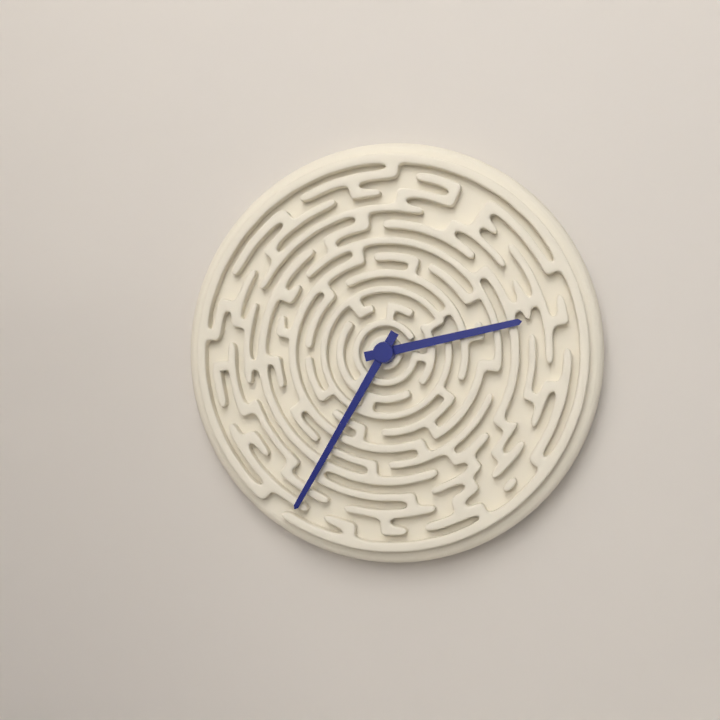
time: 2:35
